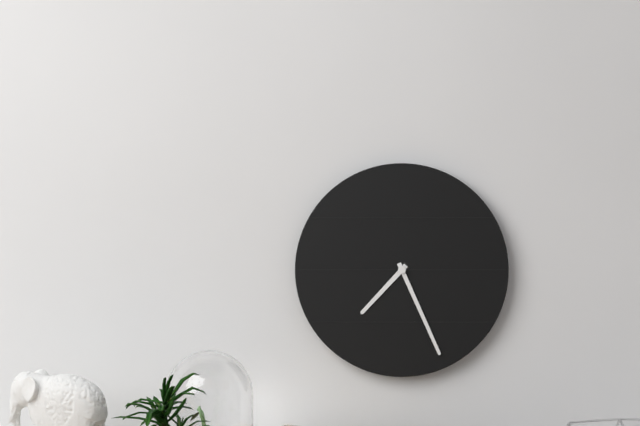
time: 7:26
